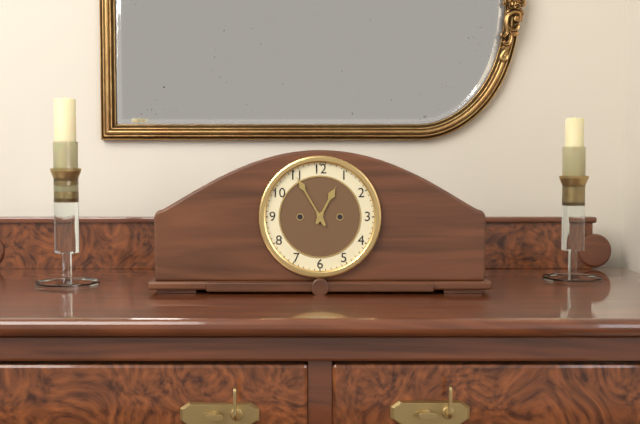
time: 12:55
